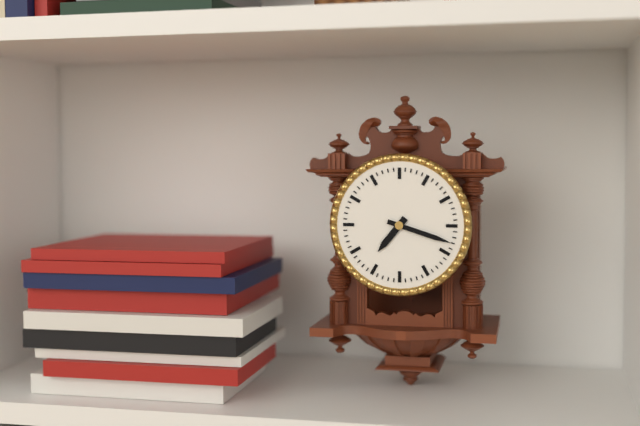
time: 7:18
